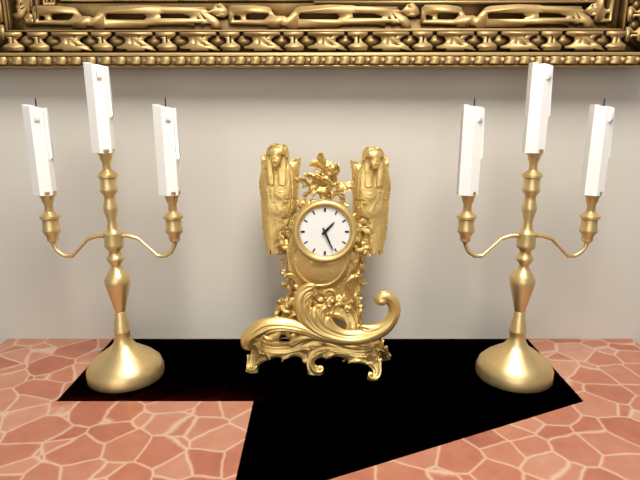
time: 1:26
